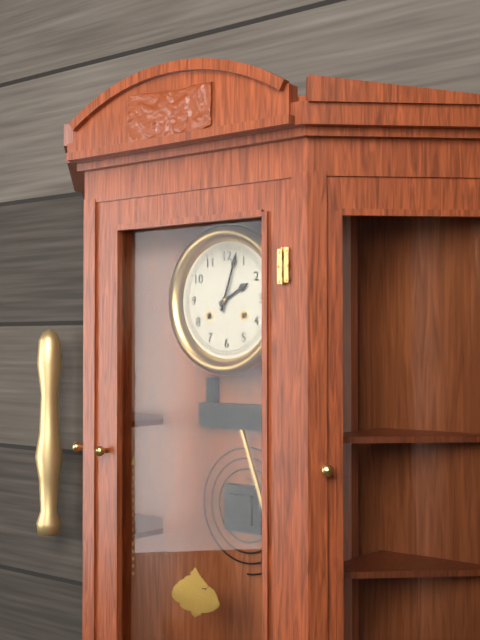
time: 2:03
